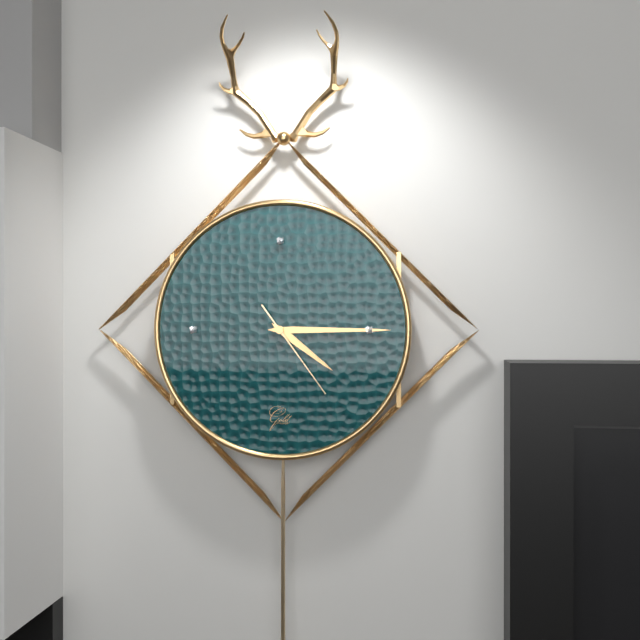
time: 4:15:24
